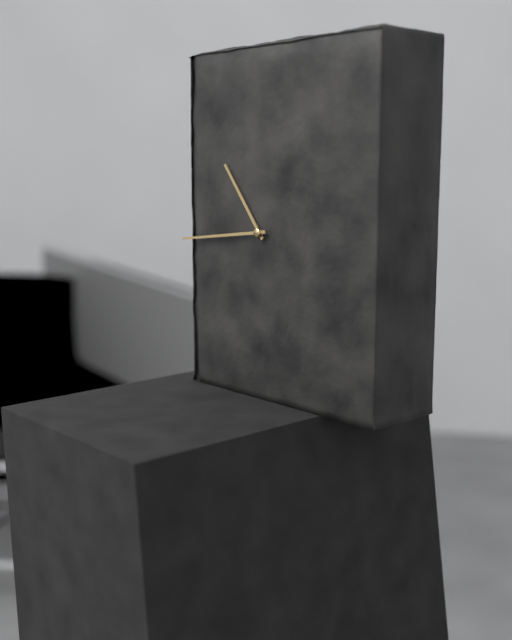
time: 10:44
